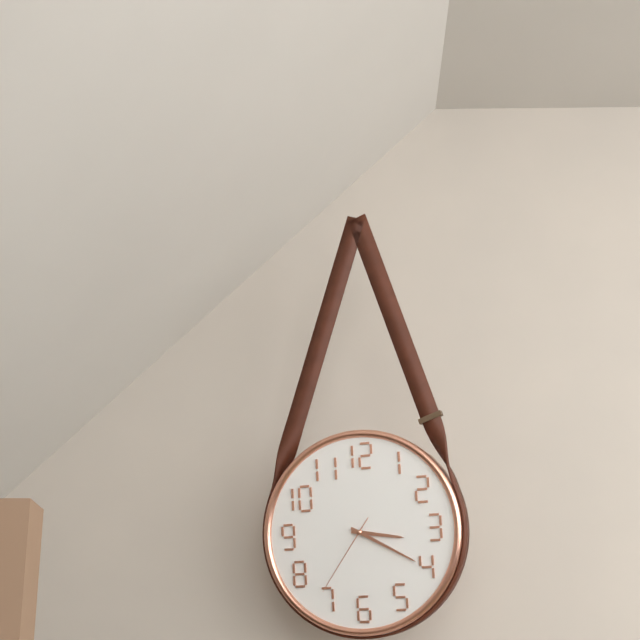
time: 3:20:36
